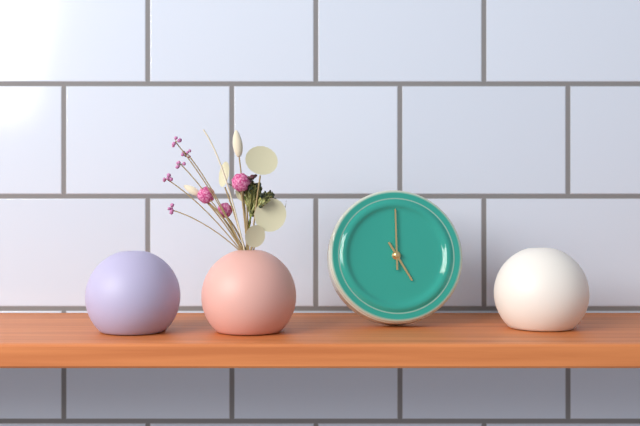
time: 5:00
